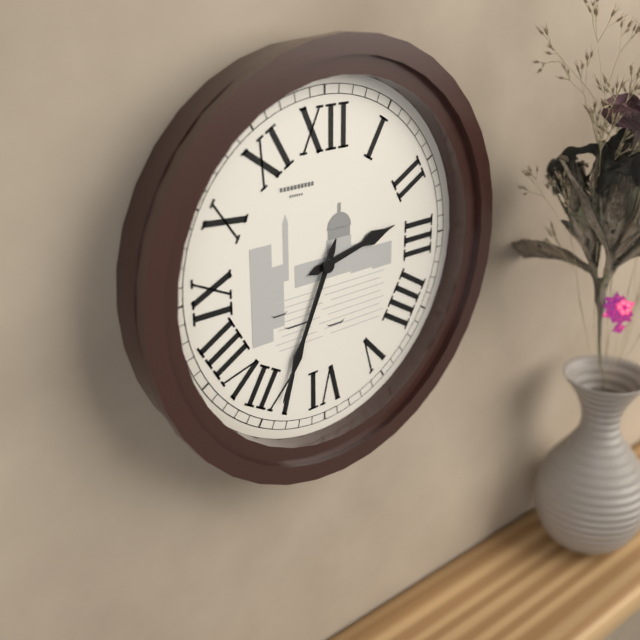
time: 2:34
